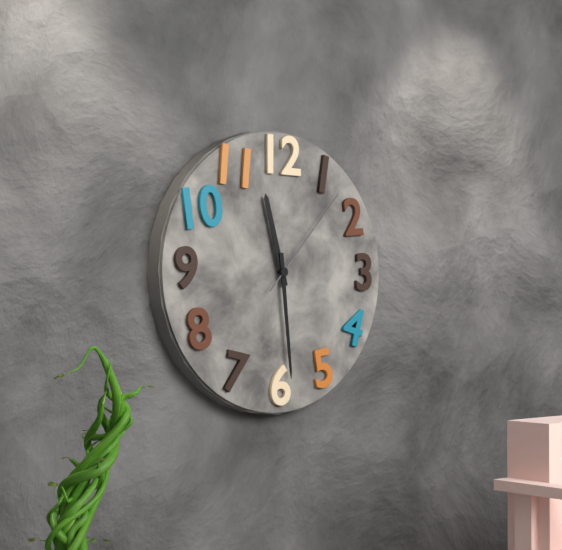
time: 11:29:07
